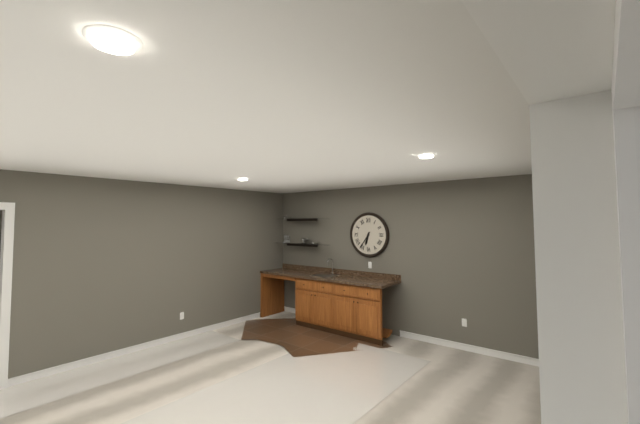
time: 6:36
